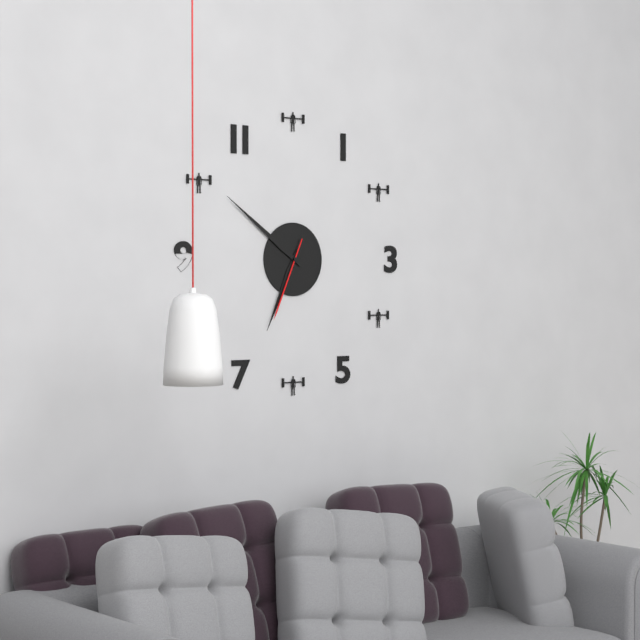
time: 6:51:34
